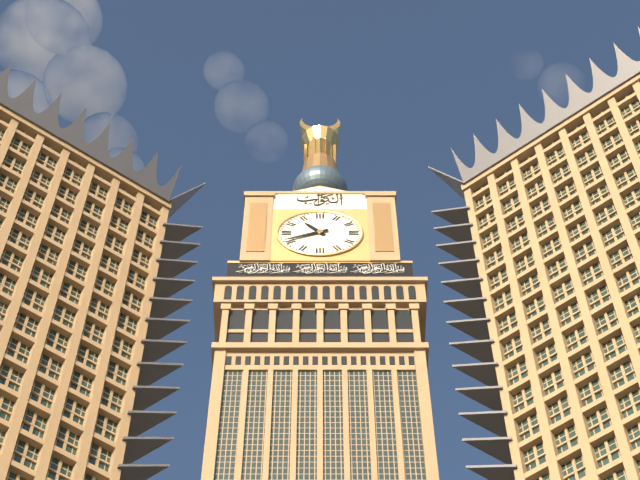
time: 10:41
